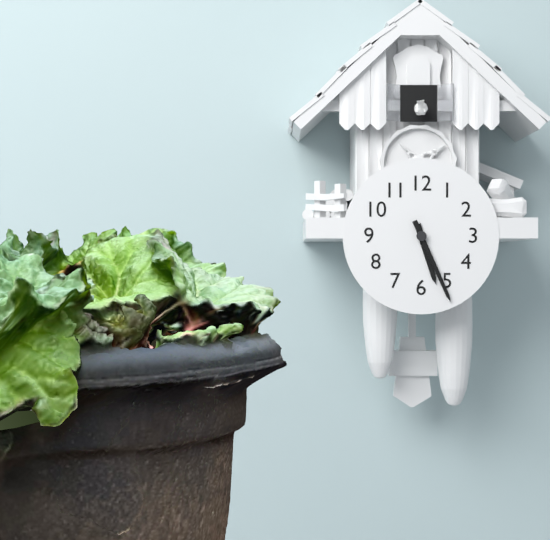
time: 5:26
